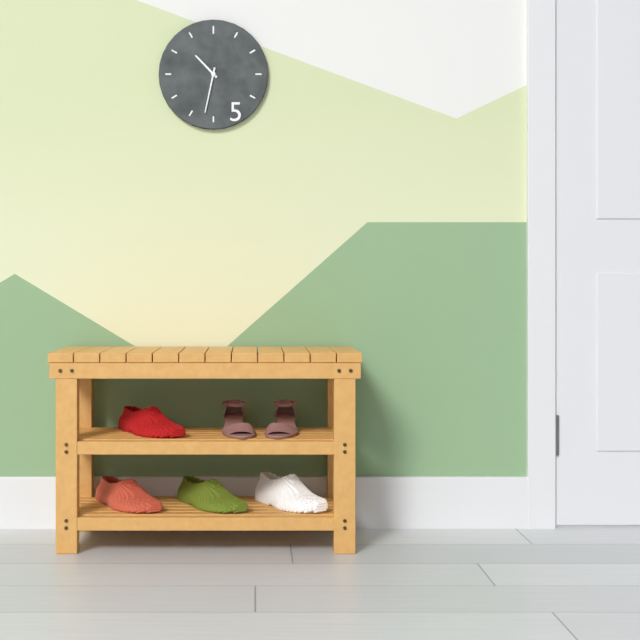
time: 10:32
